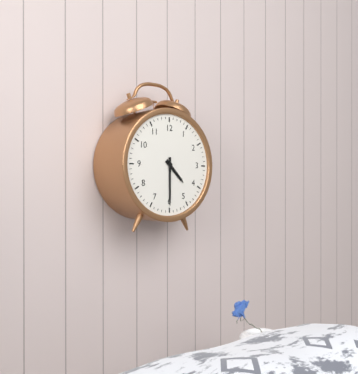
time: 4:30
